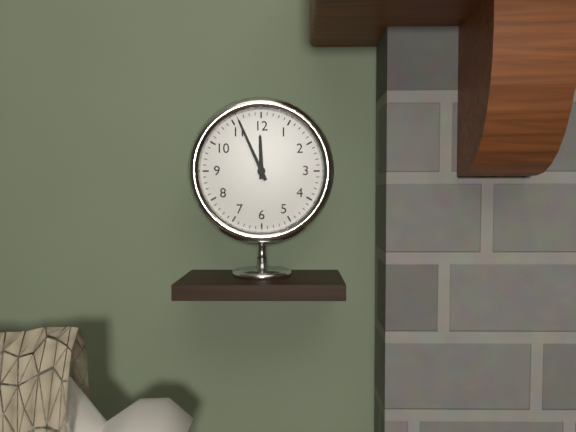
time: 11:56
